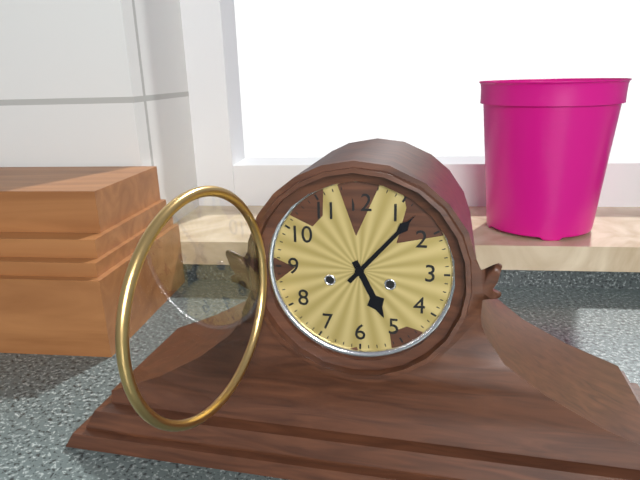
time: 5:07
